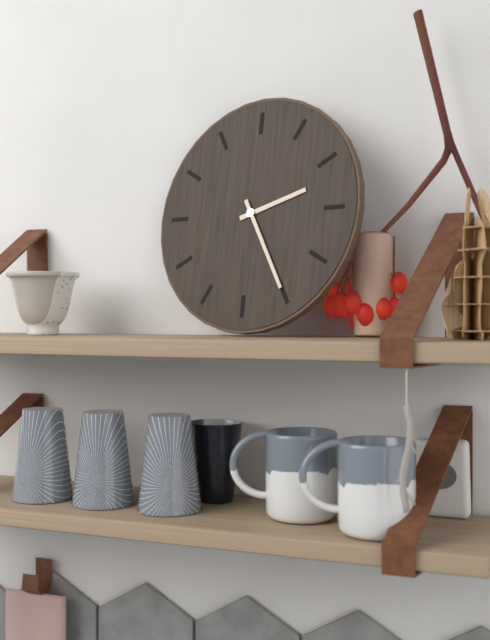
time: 2:25
